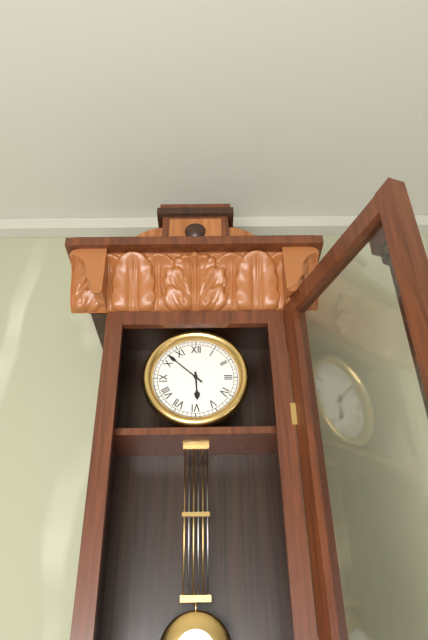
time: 5:52
